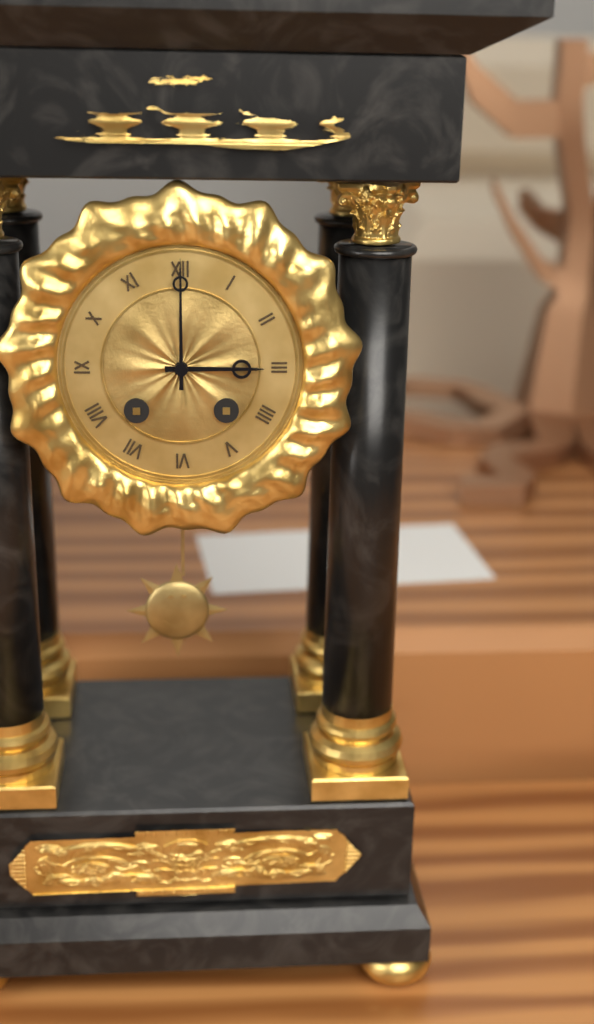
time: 3:00
